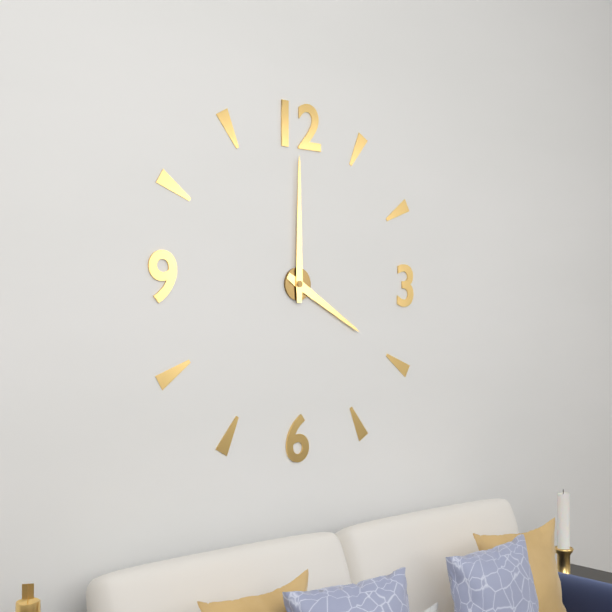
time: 4:00
